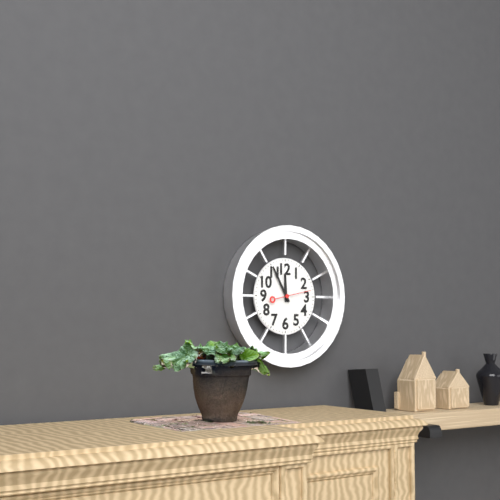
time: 11:55
